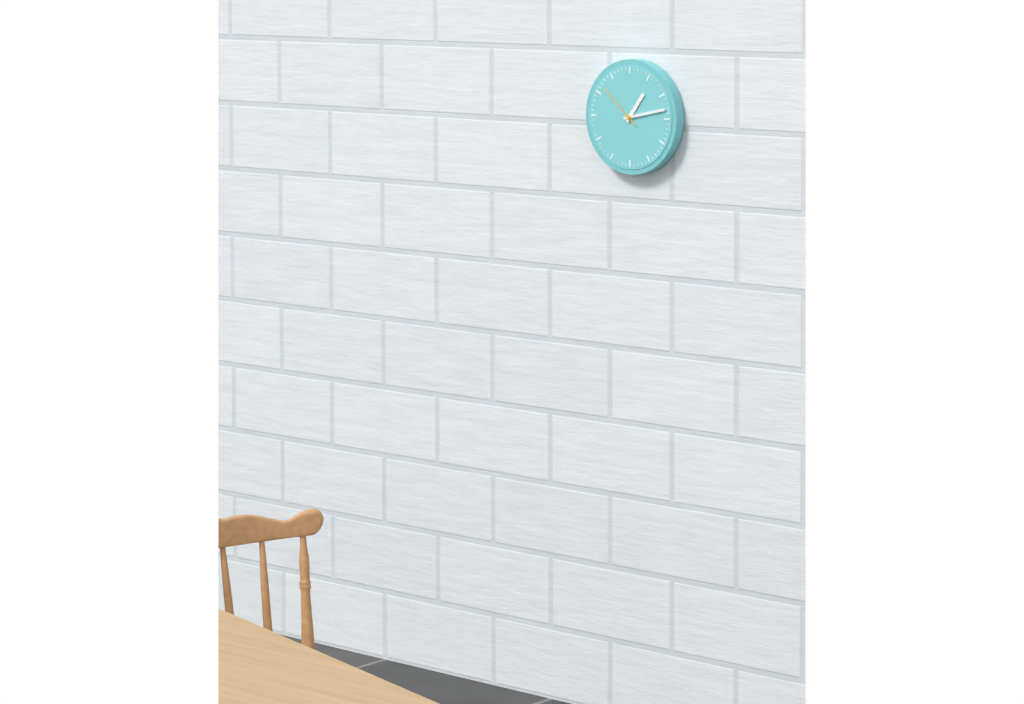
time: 1:13:52
